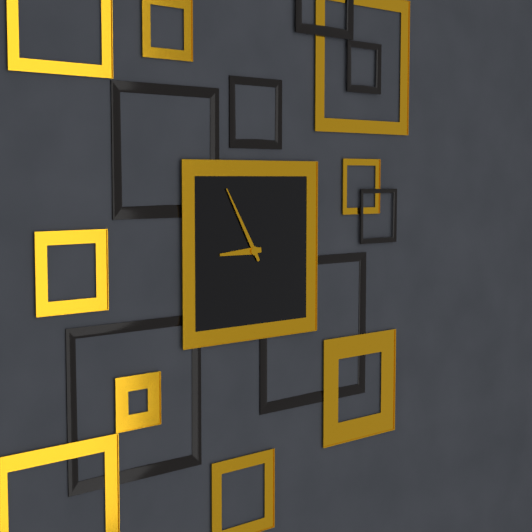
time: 8:55
